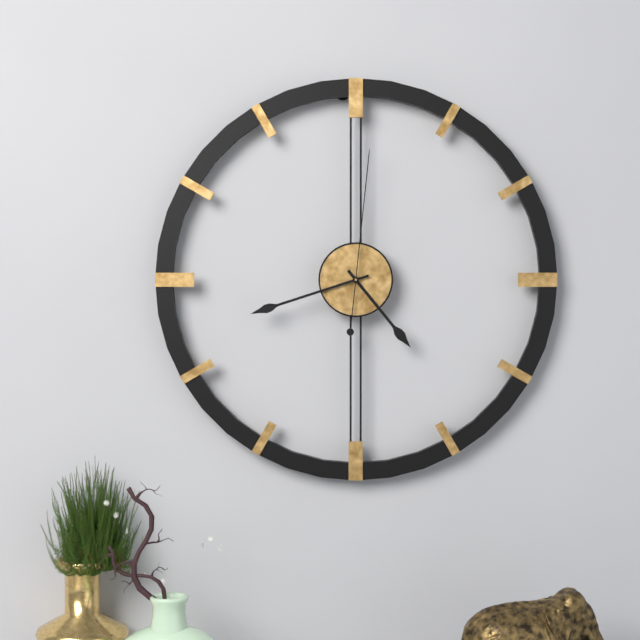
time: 4:42:01
